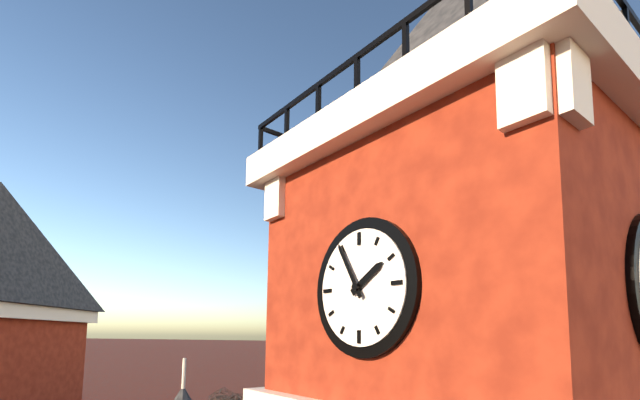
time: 1:55
